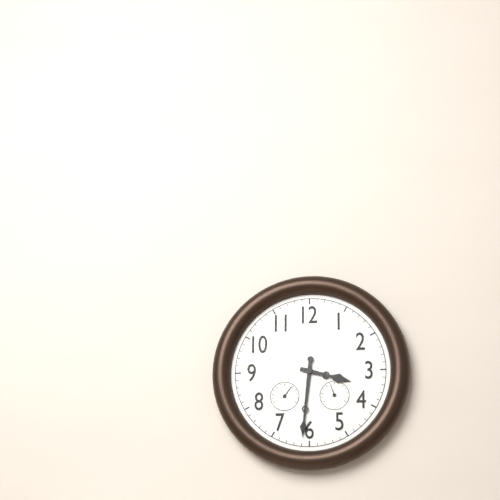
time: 3:31
